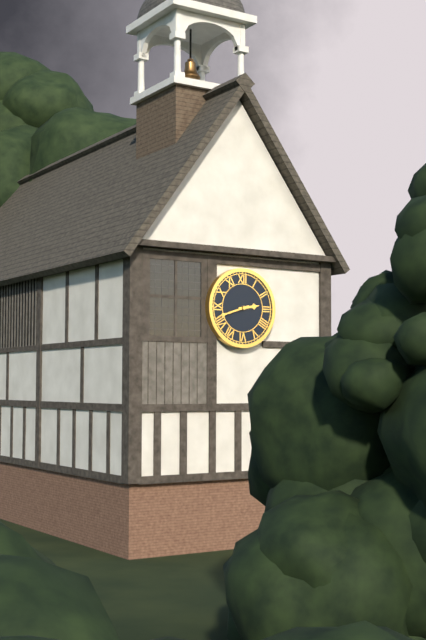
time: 2:42
